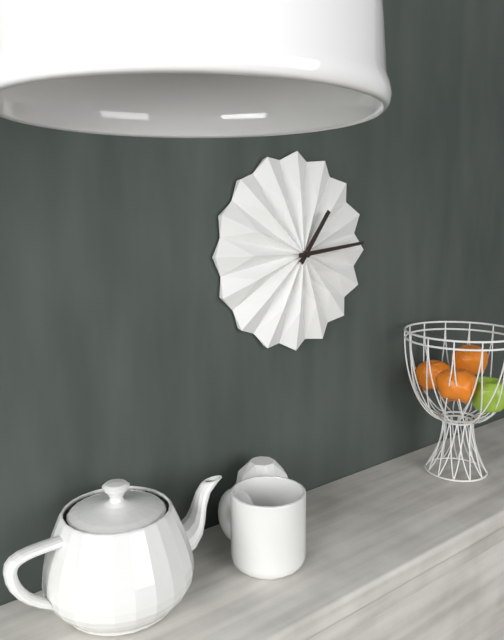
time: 1:14
